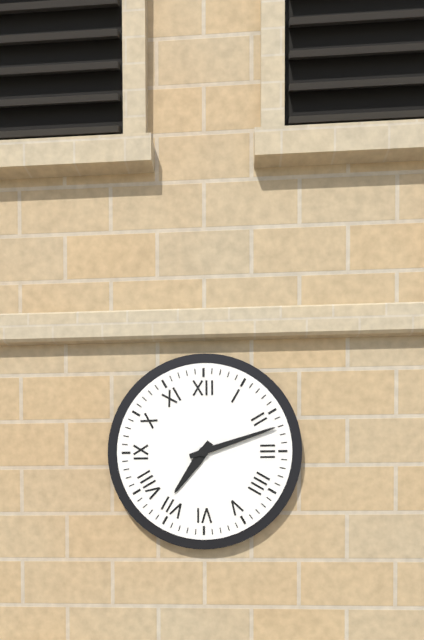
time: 7:12
